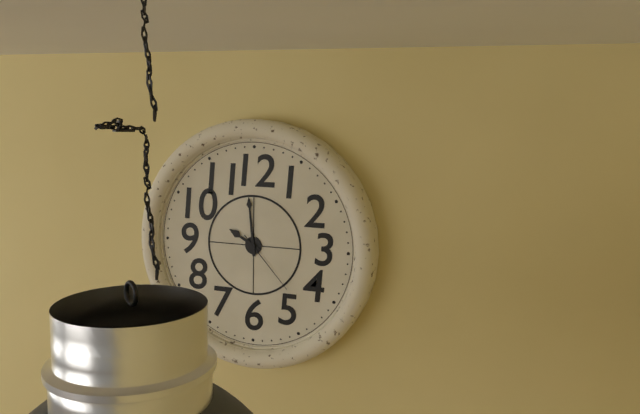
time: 9:59:23
